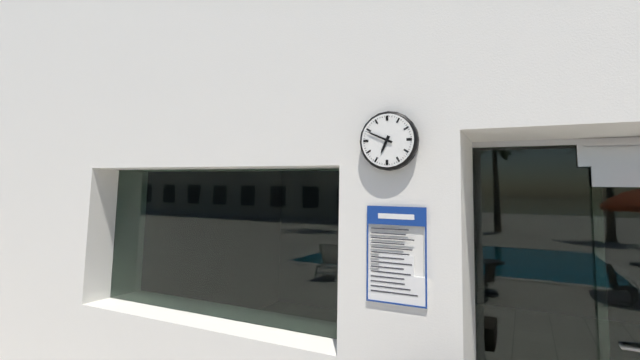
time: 6:49
